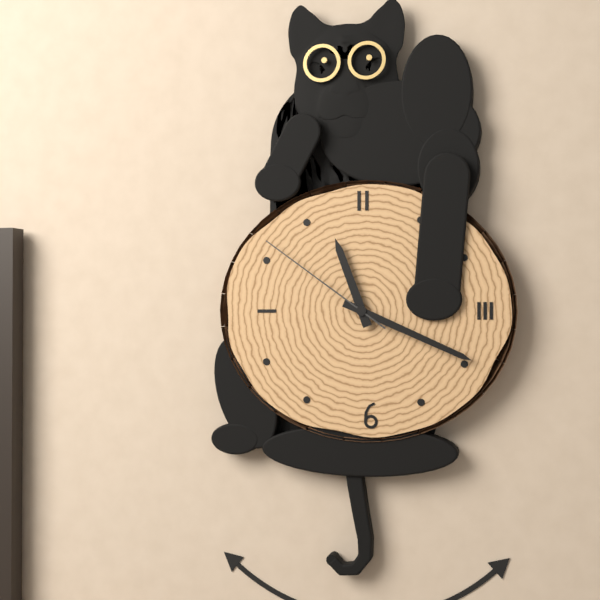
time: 11:19:51
